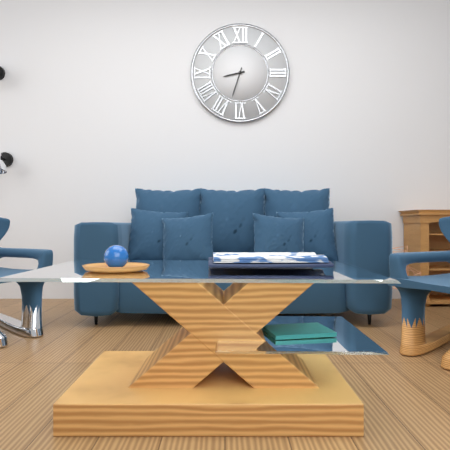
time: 8:33
